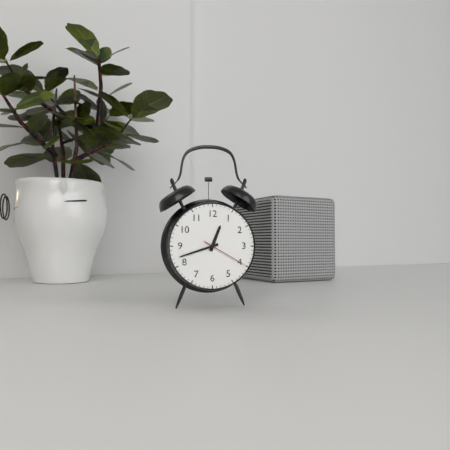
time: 12:42
